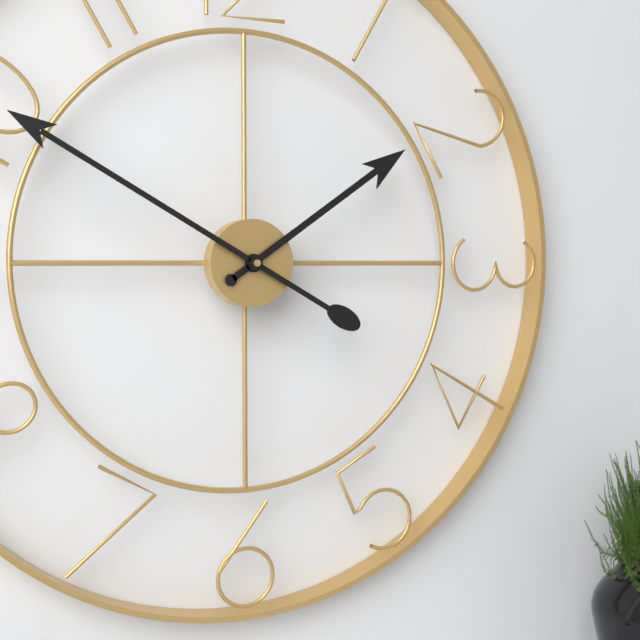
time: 1:50
